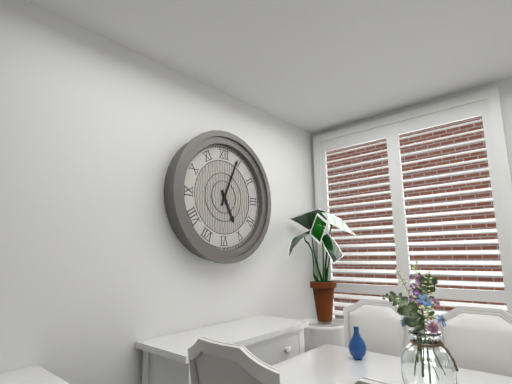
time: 5:04
